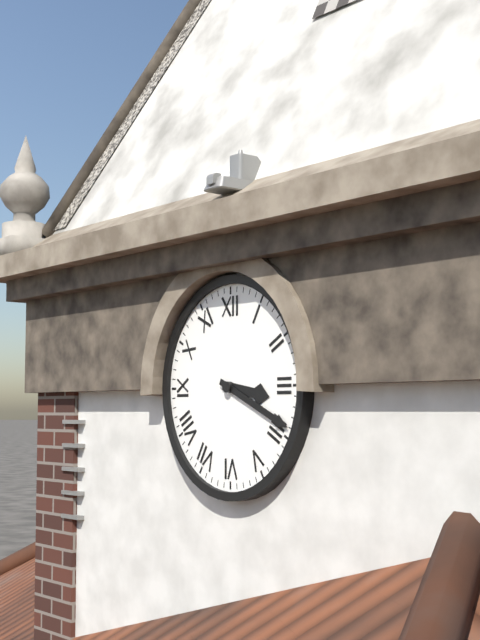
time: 3:19
